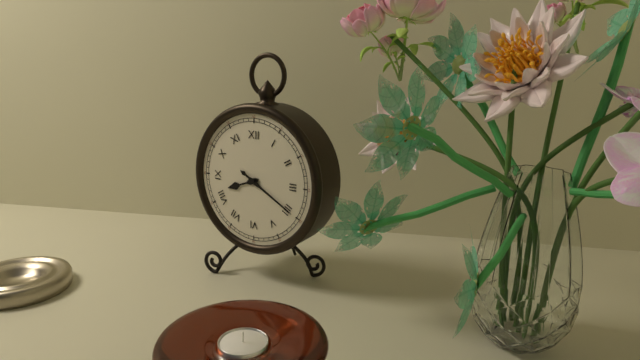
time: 8:20
